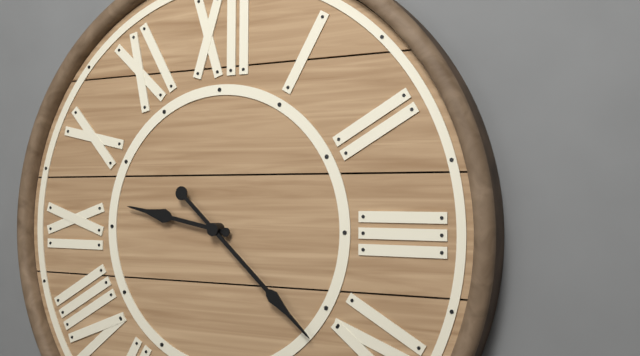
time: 9:22
